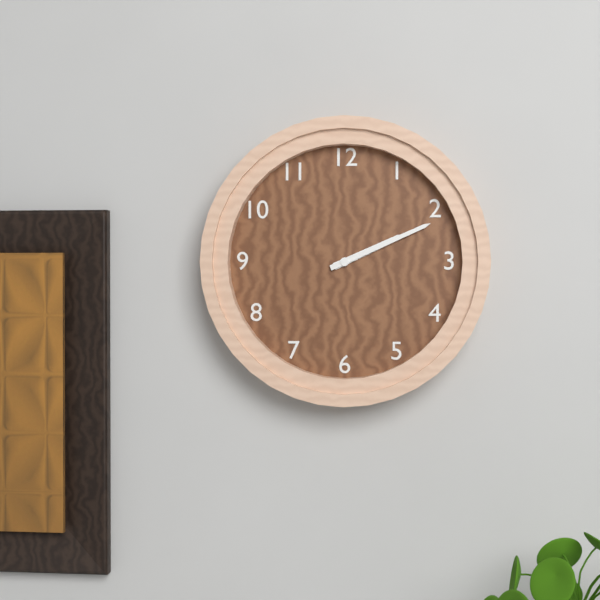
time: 2:11
